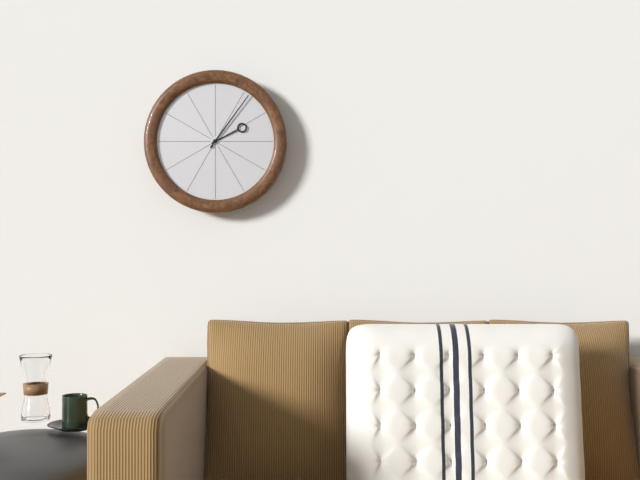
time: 2:06
